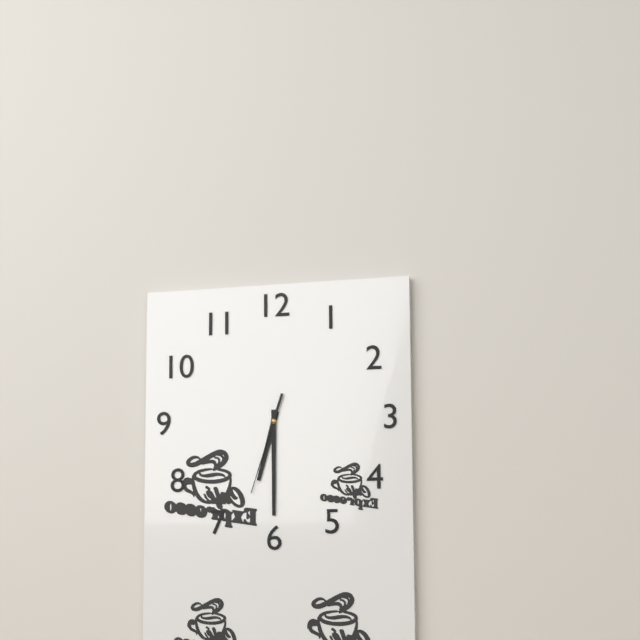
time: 6:30:33
